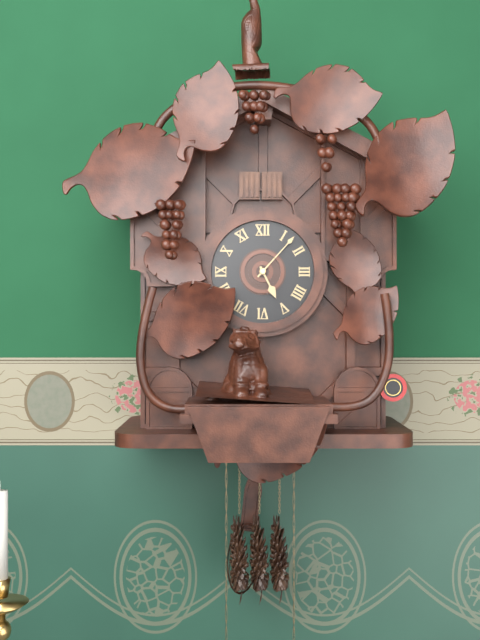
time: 5:07
